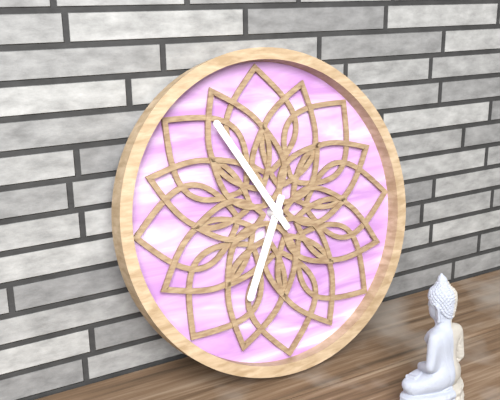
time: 6:55
